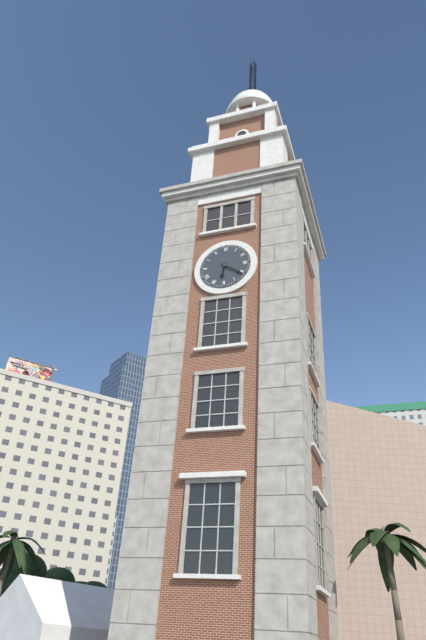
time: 6:21
